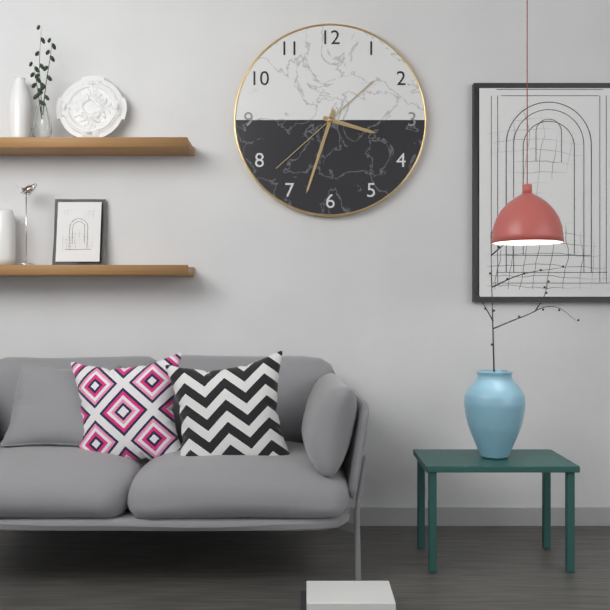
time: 3:33:38
